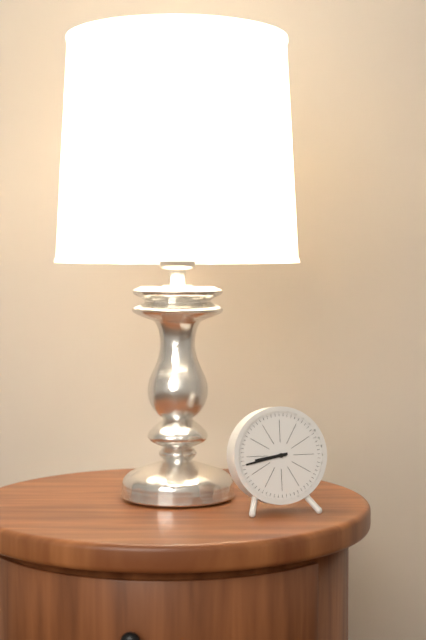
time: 8:43
